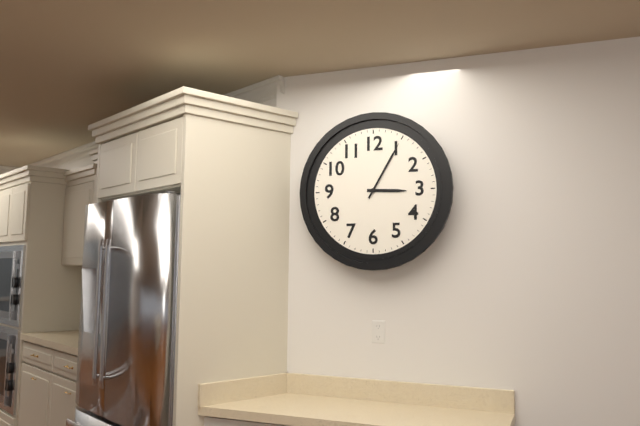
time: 3:05
